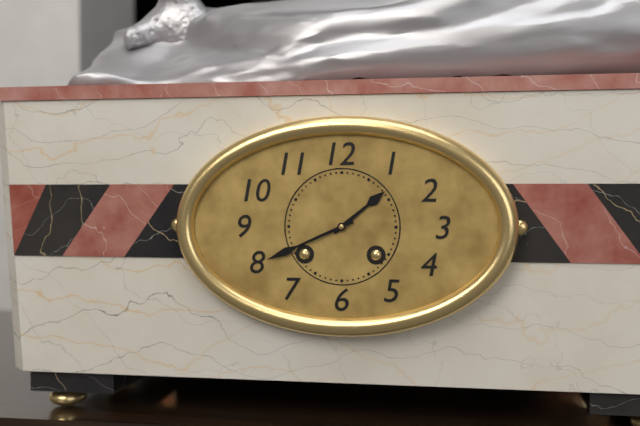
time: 1:41
